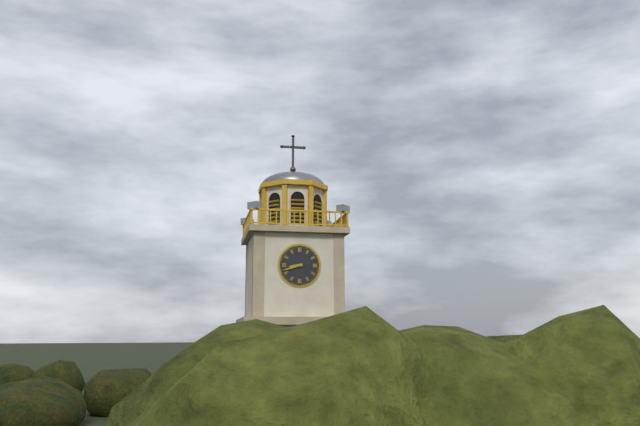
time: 8:42
